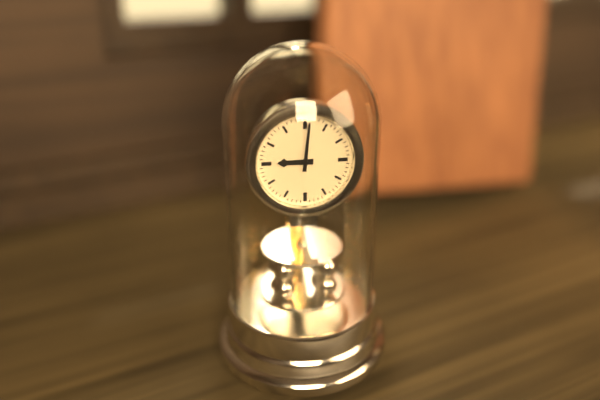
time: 9:01
